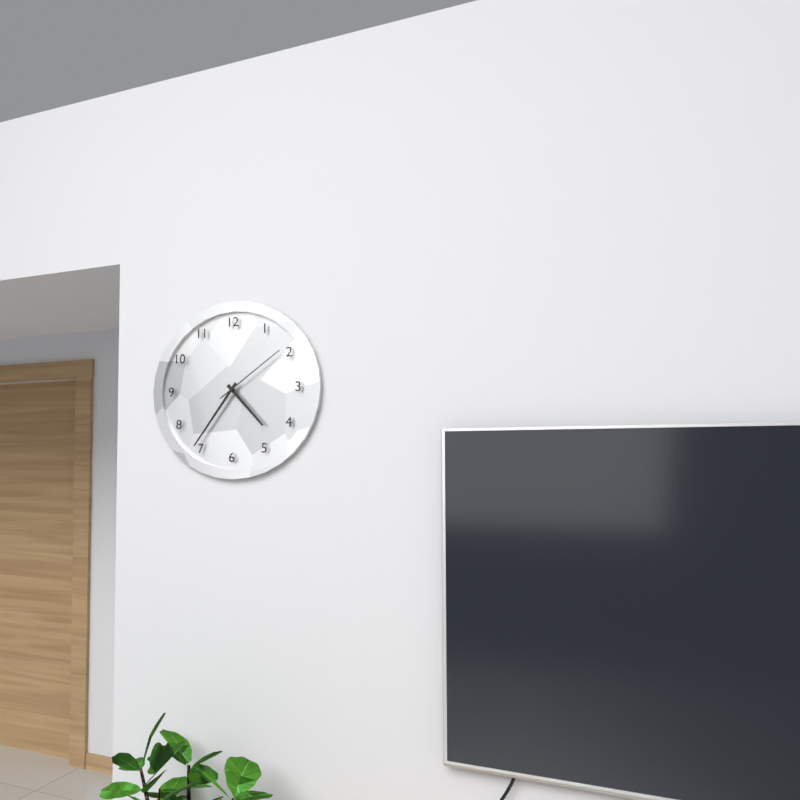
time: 4:36:09
